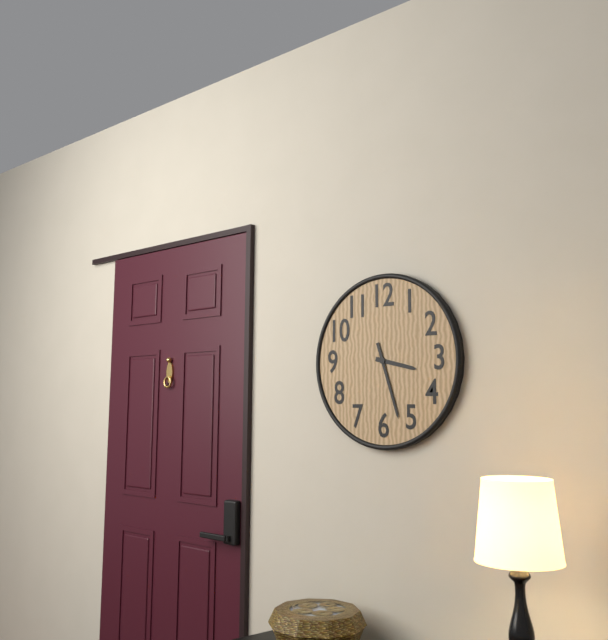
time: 3:27
